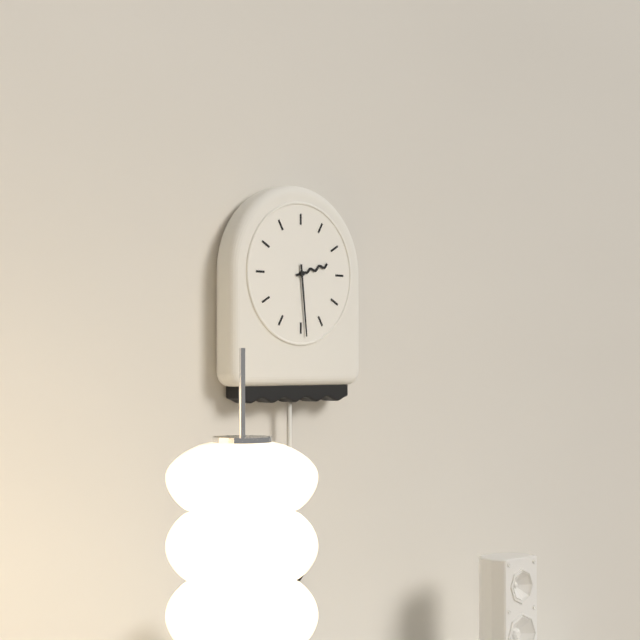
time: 2:29
